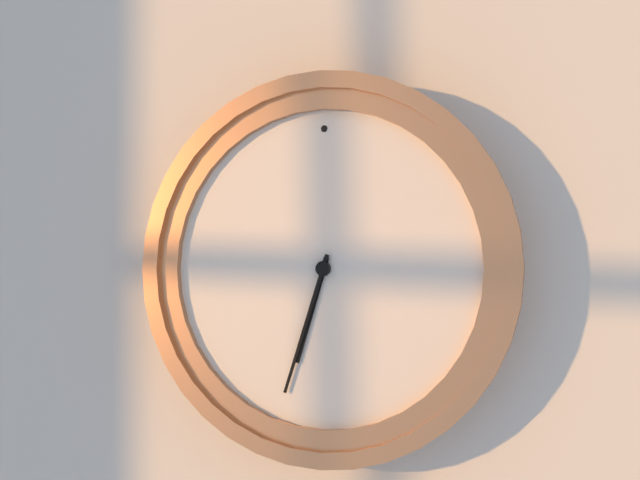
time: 6:33
